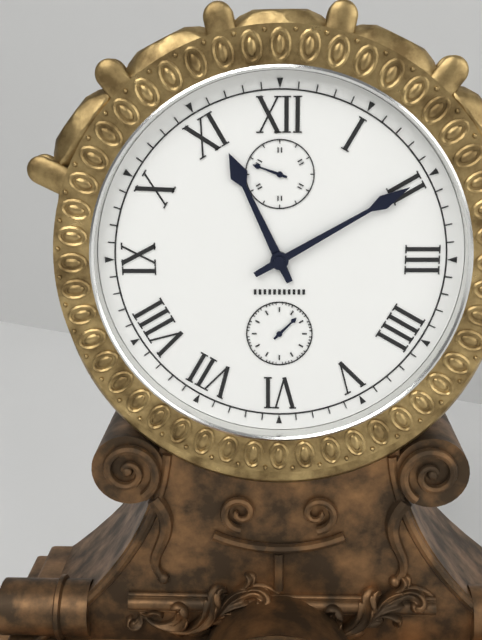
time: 11:10
